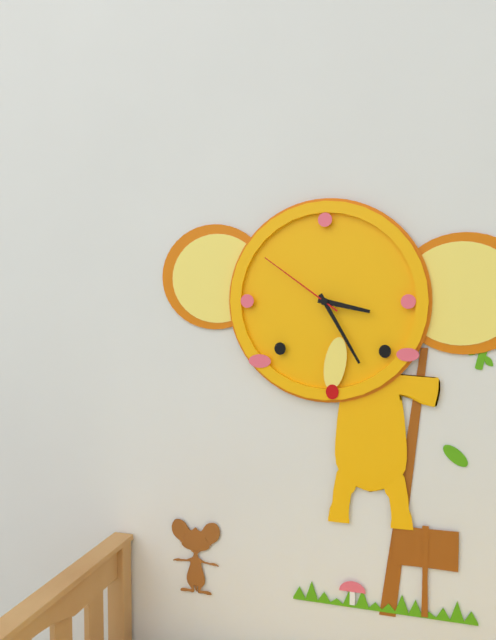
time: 3:25:51
